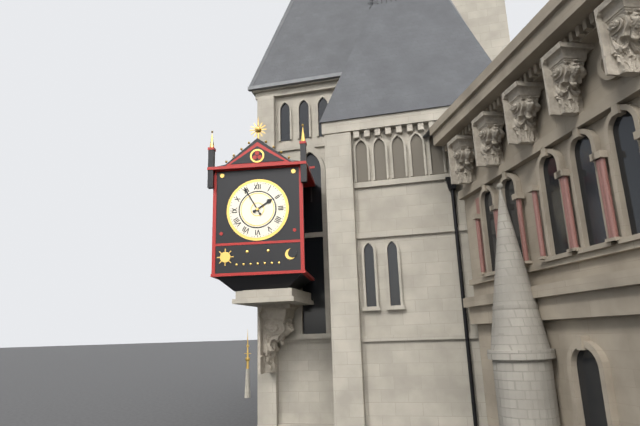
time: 1:55
